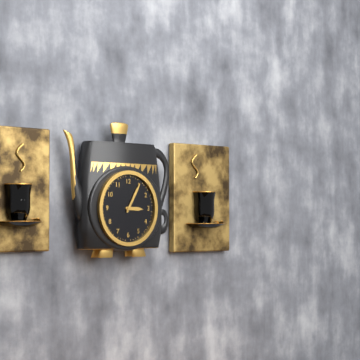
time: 3:05
